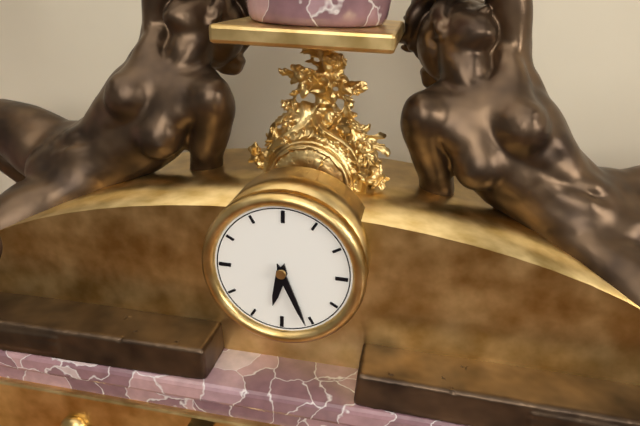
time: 6:26
